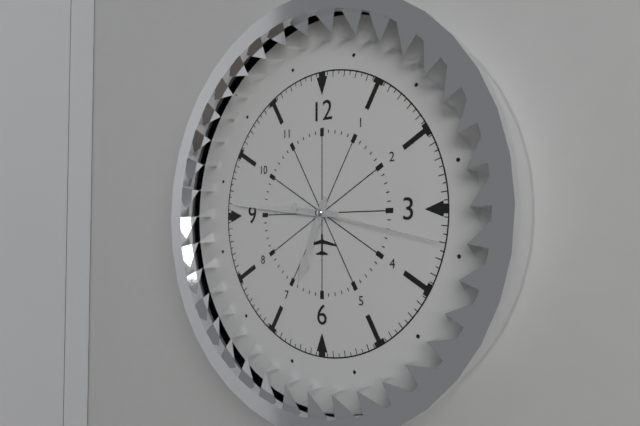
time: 6:46:17
